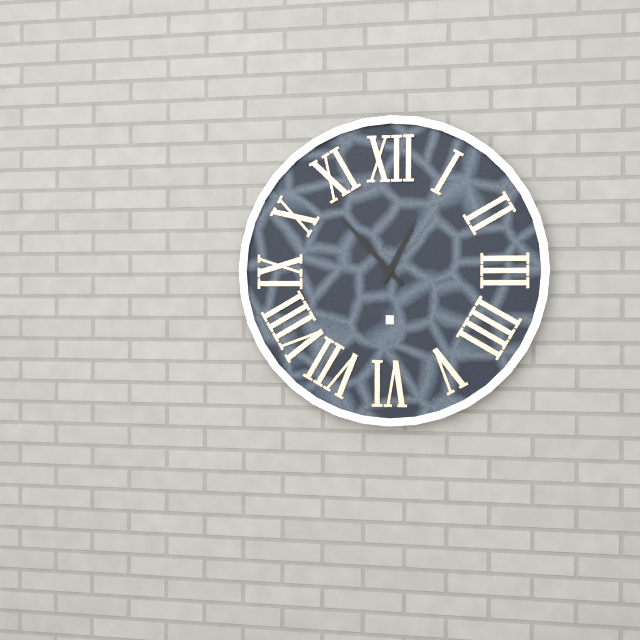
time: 12:53
